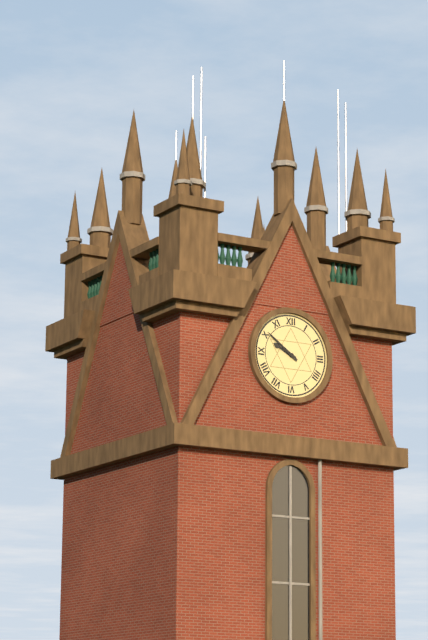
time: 9:51
